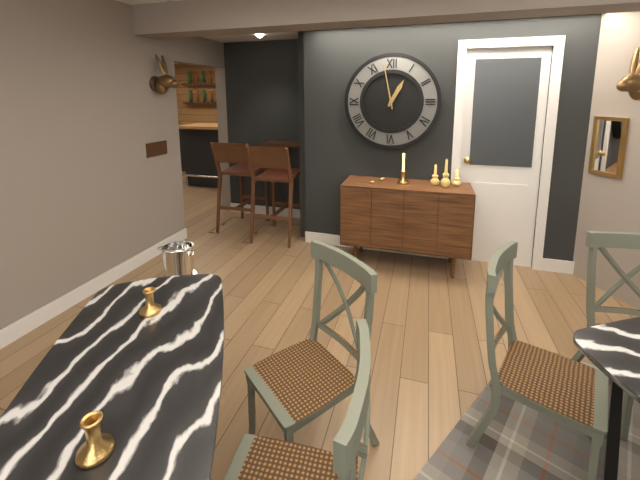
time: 12:58
